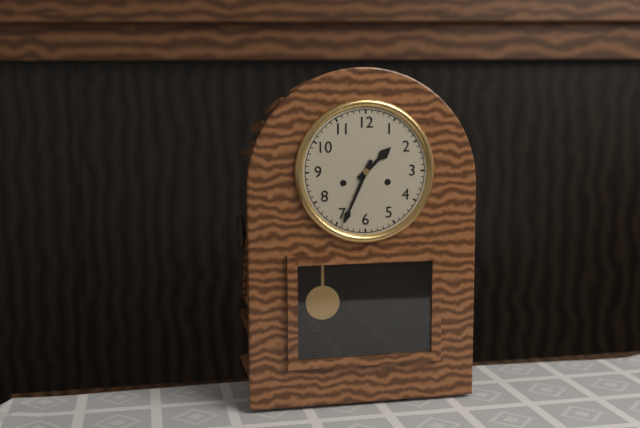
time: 1:34
